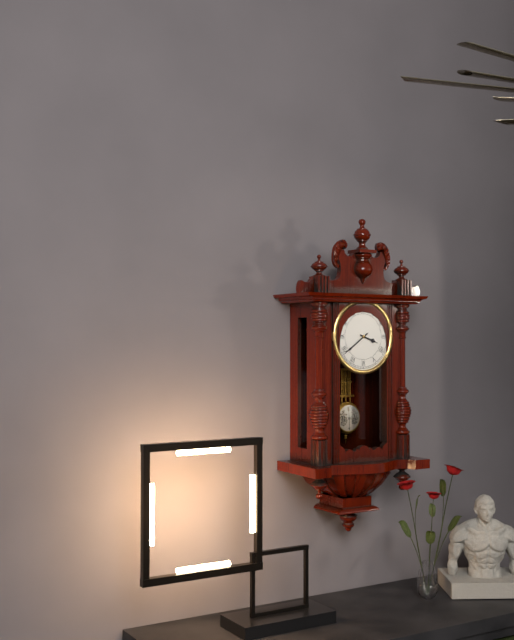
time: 3:39
